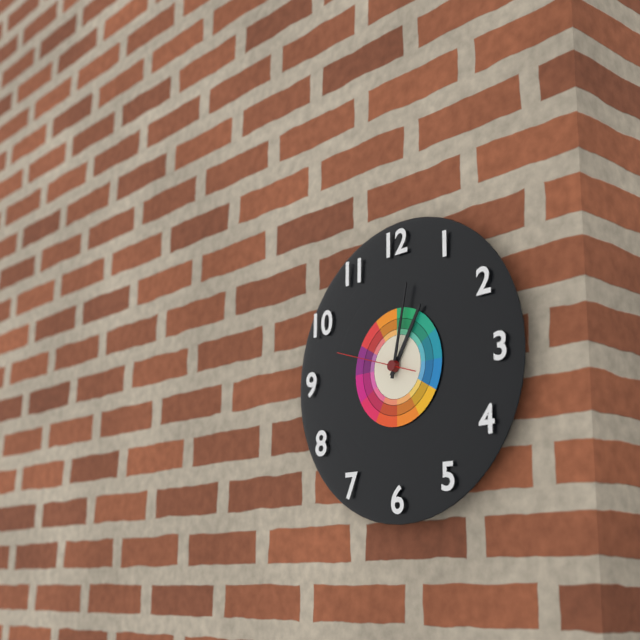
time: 1:02:48
